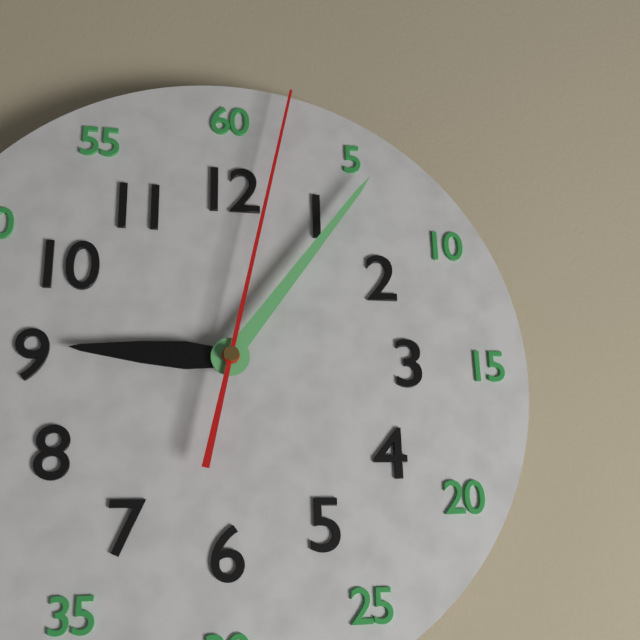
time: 9:06:02
